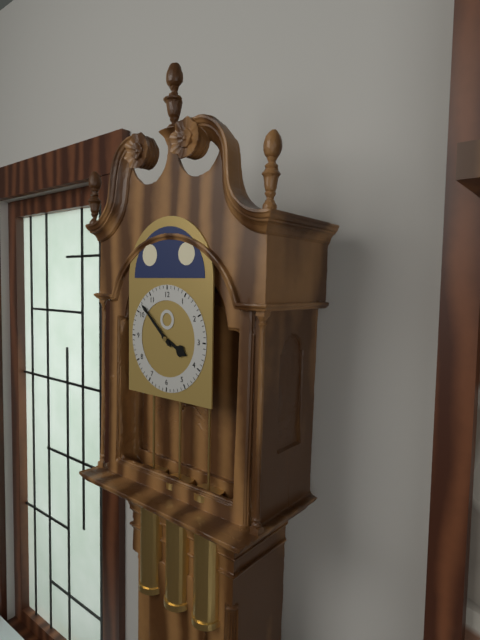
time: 3:52
